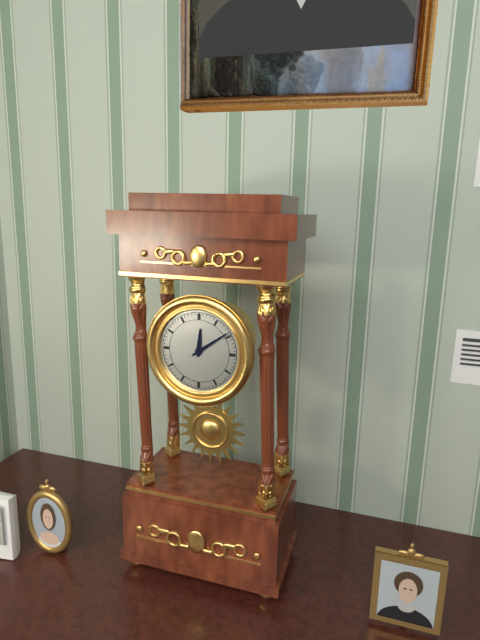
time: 12:09
